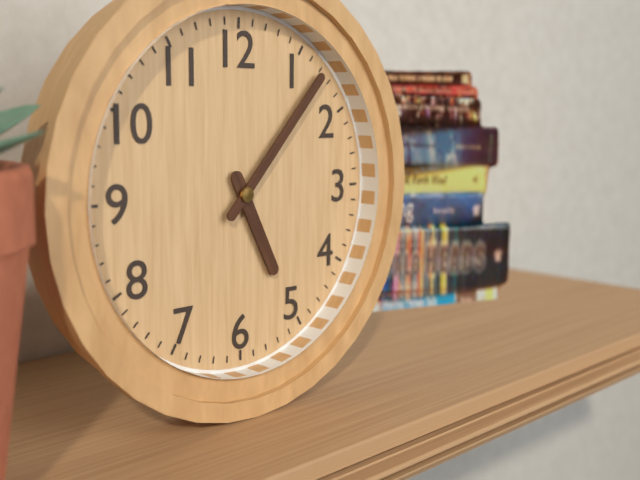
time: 5:07
